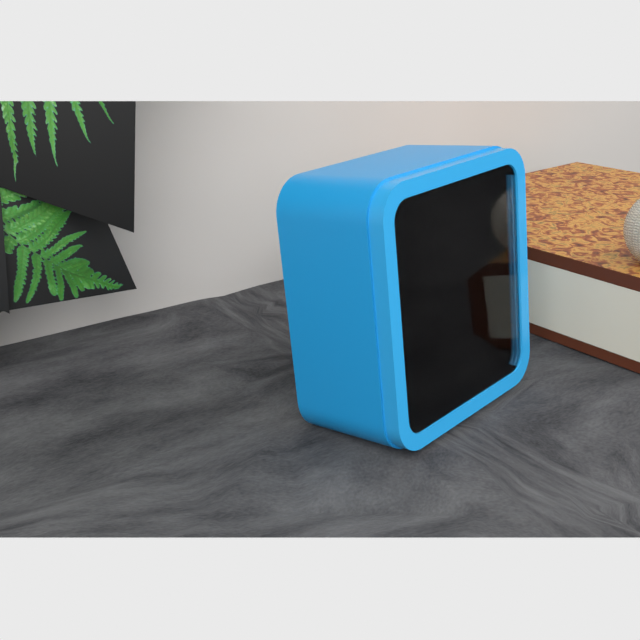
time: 2:05
